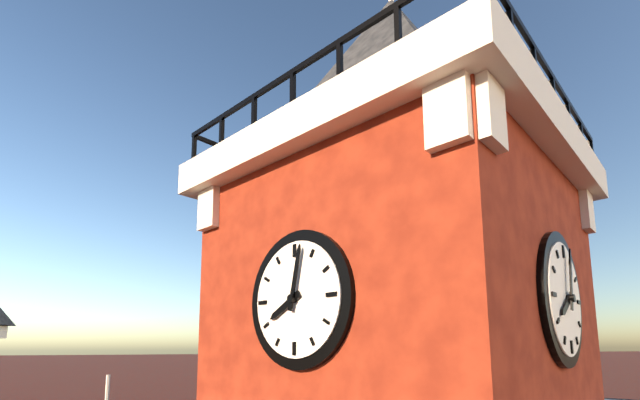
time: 8:02
